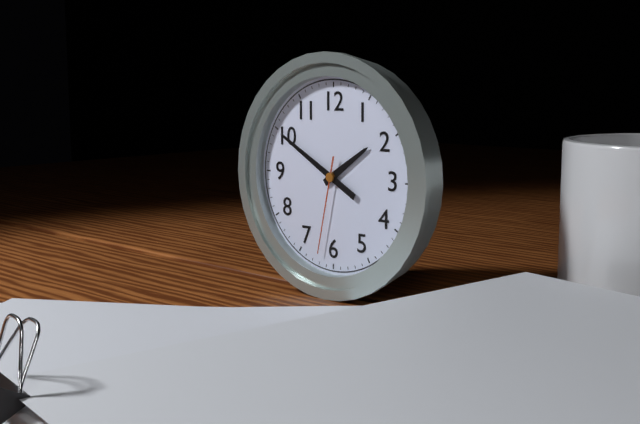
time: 1:50:32
